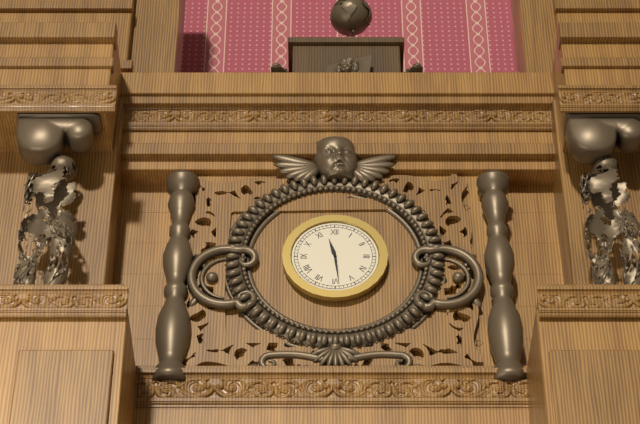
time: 11:29
